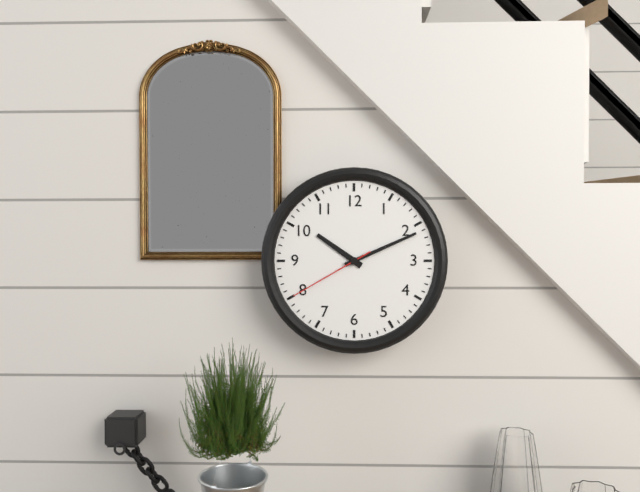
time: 10:11:40
